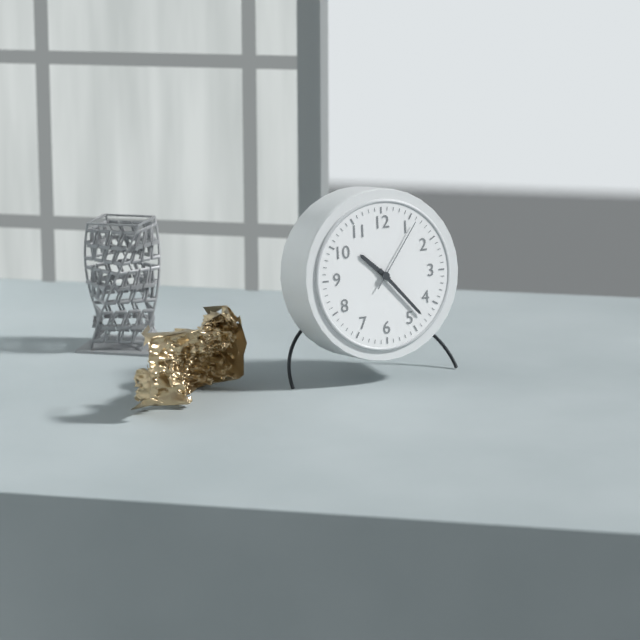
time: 10:23:06
